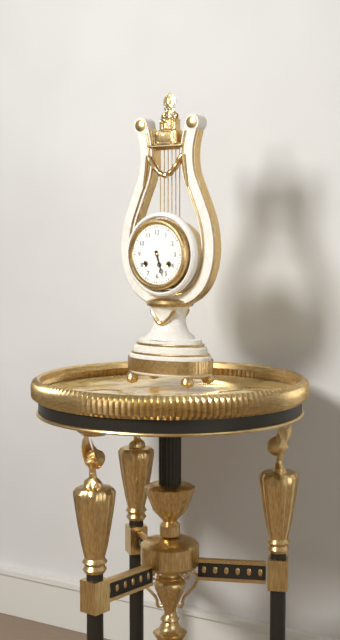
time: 5:27
